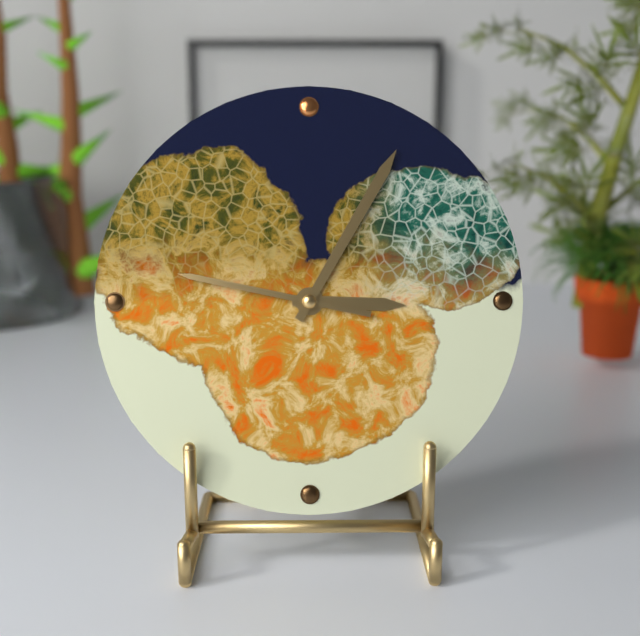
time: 3:05:47
